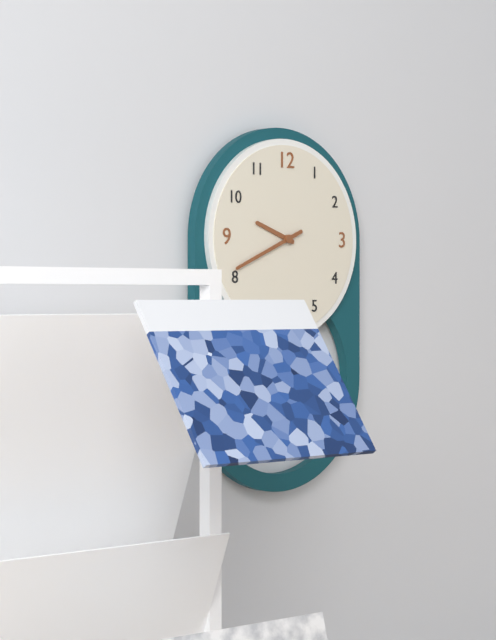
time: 9:41
